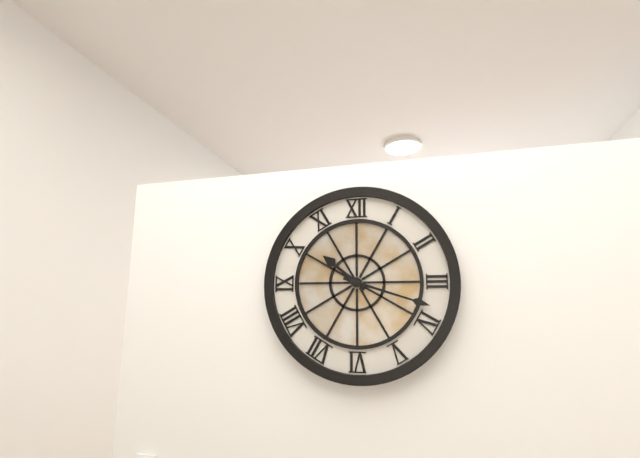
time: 10:18
